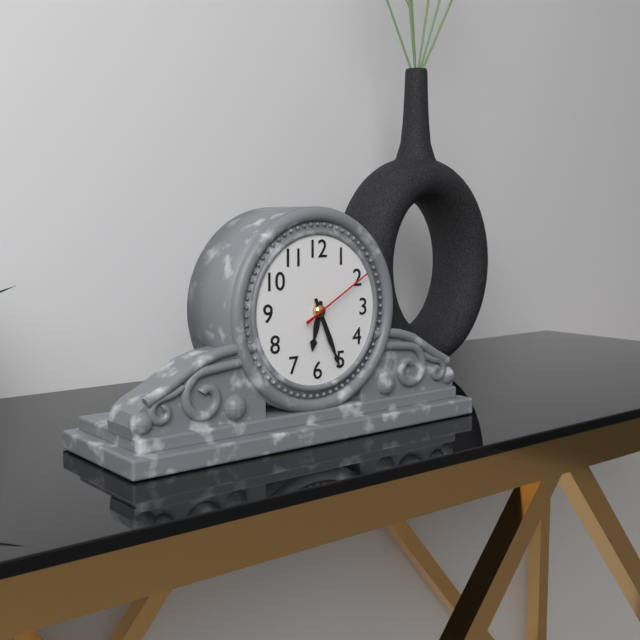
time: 6:26:10
